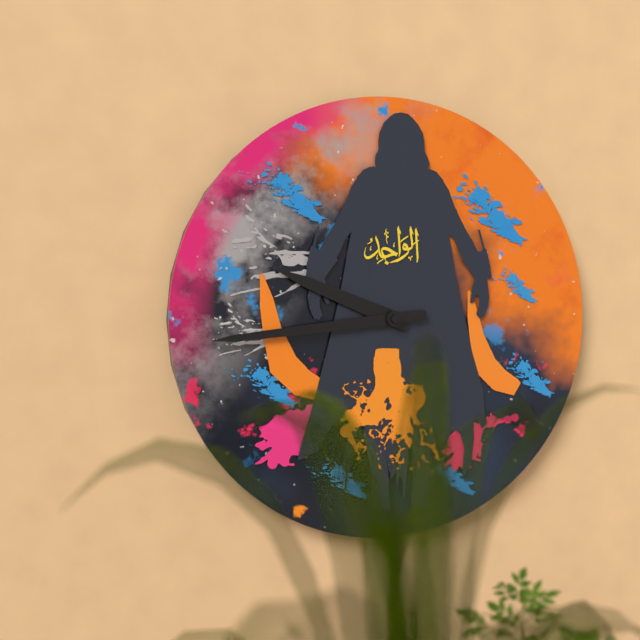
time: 9:44
